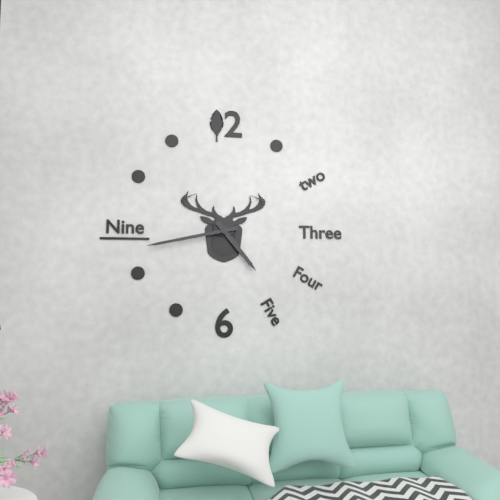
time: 4:43
